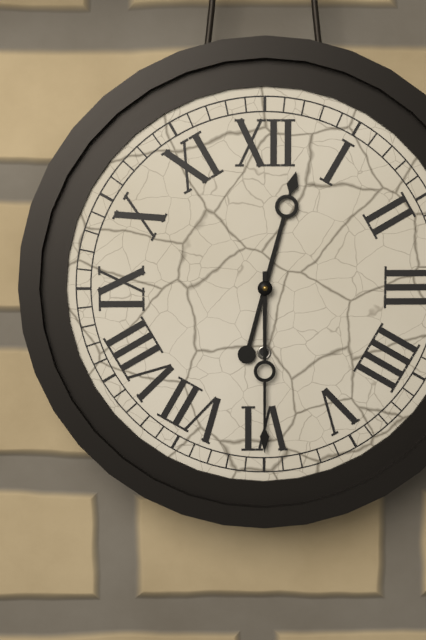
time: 12:30
